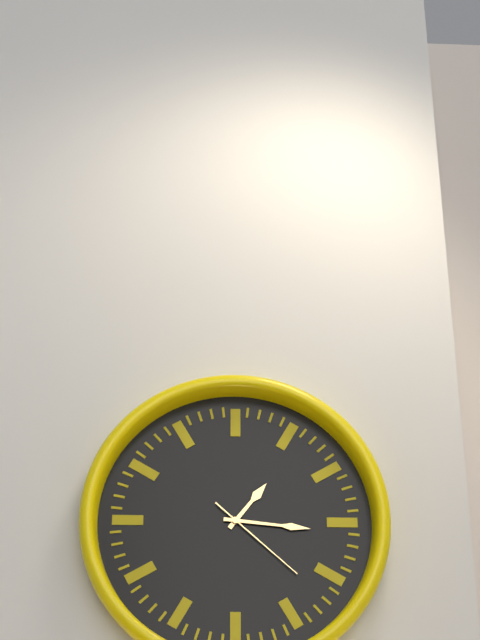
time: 1:16:22
